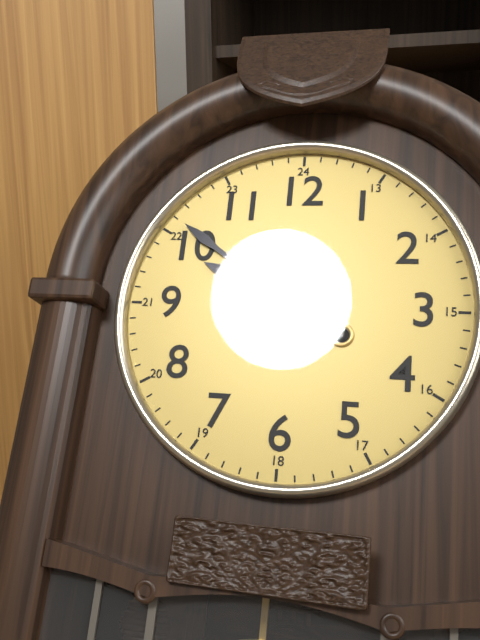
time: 9:51
